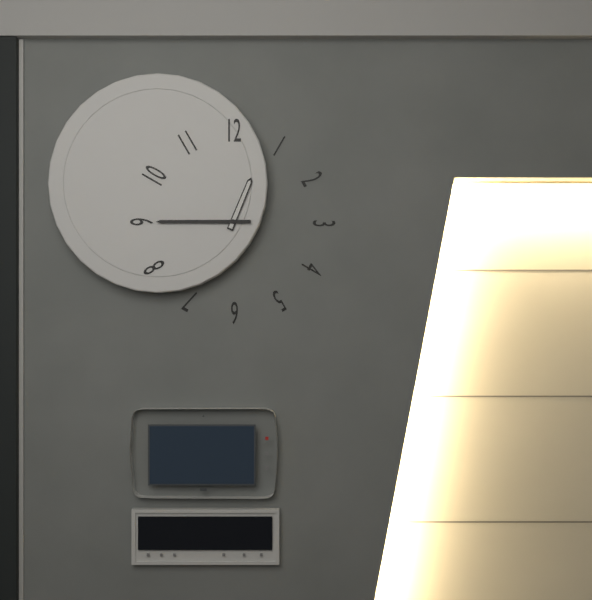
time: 12:45
